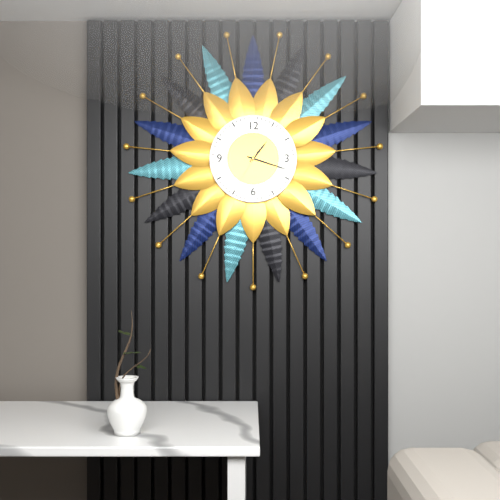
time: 1:18
